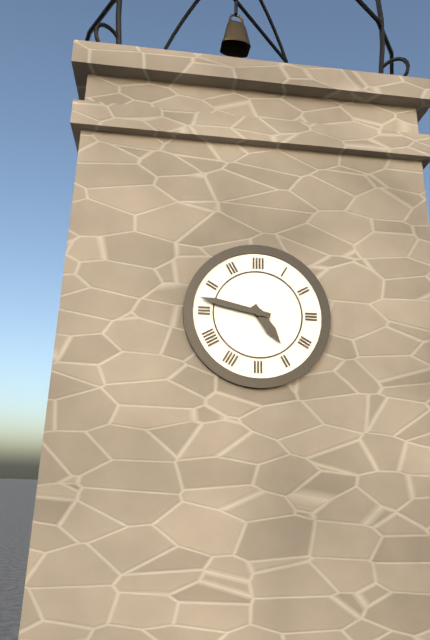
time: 4:47
